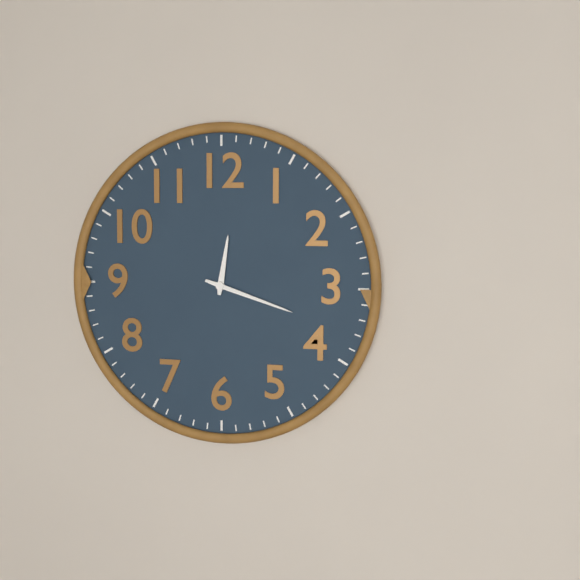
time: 12:18
